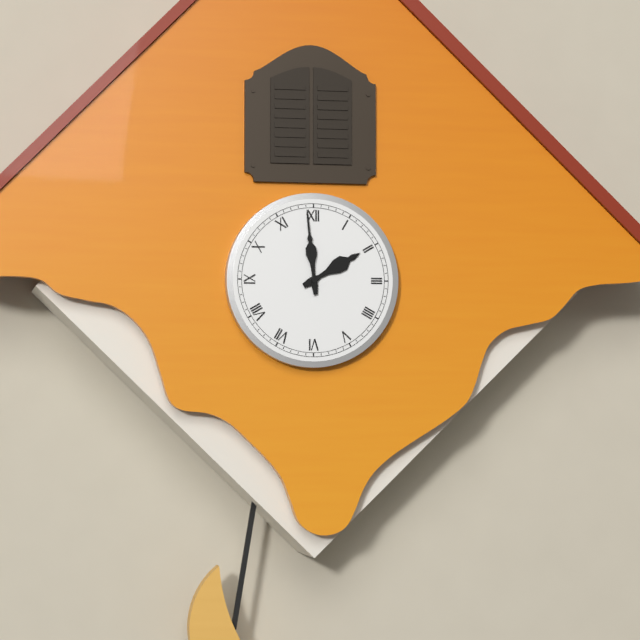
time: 1:59
